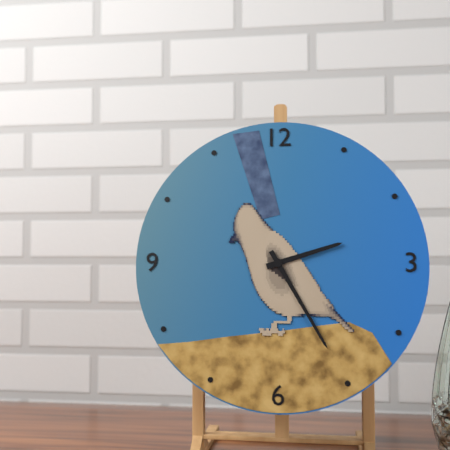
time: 2:25
